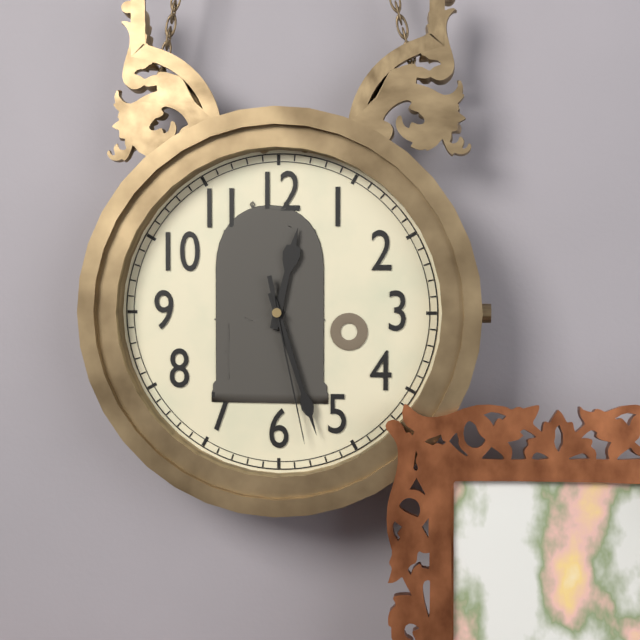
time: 12:27:28
